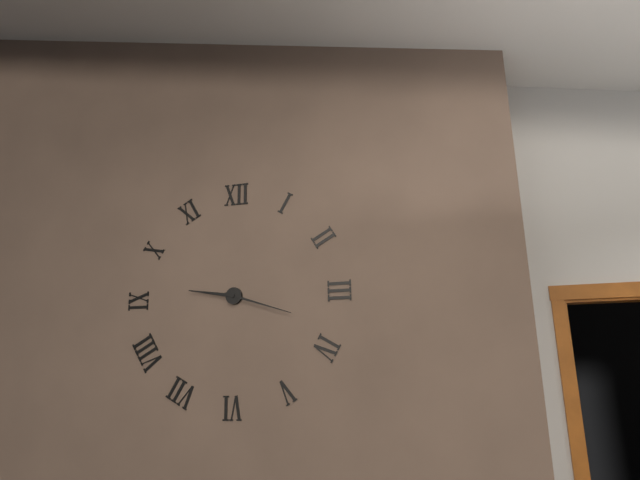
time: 9:18
